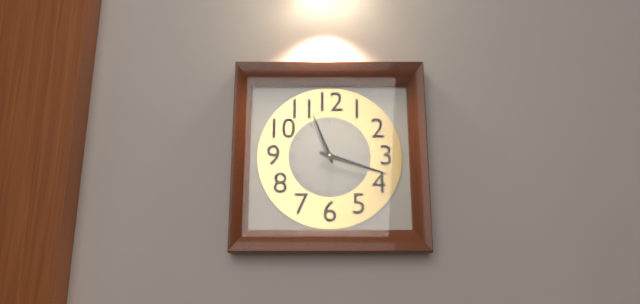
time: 11:18
